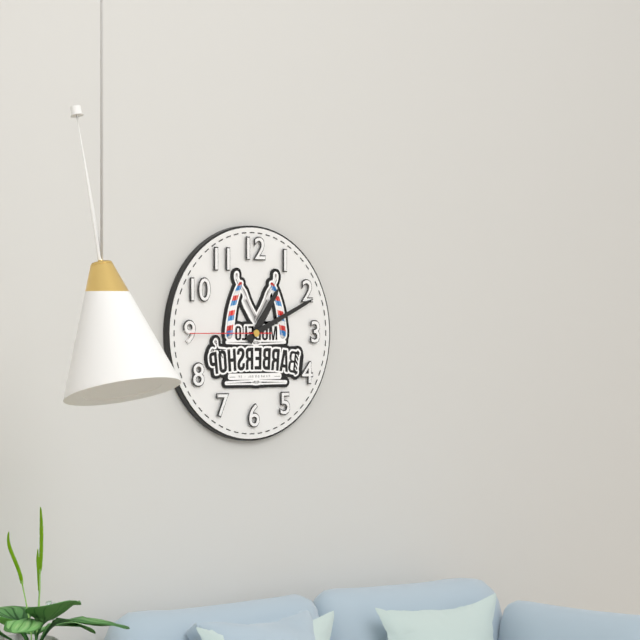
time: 1:11:45
